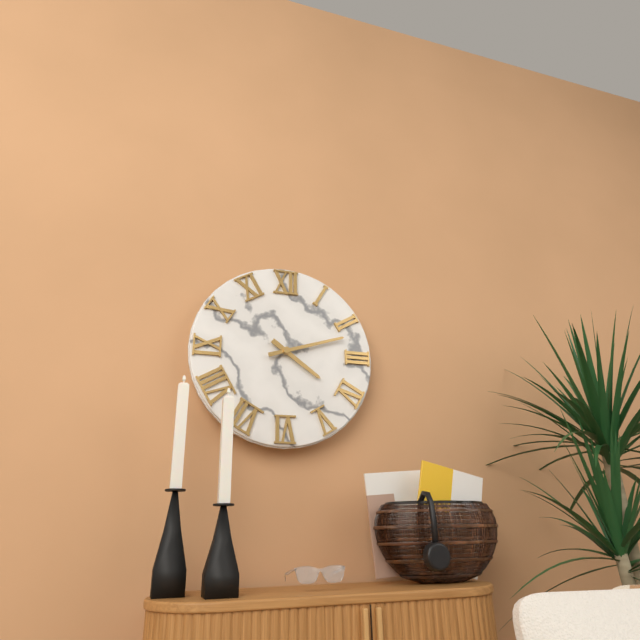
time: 4:12
